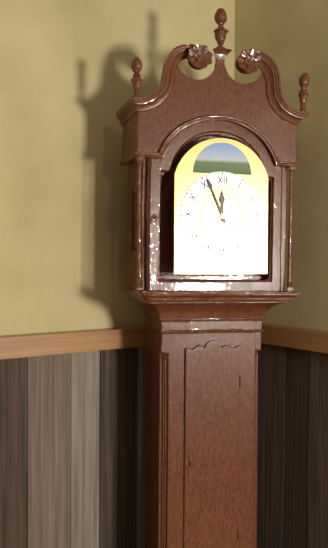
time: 11:56
